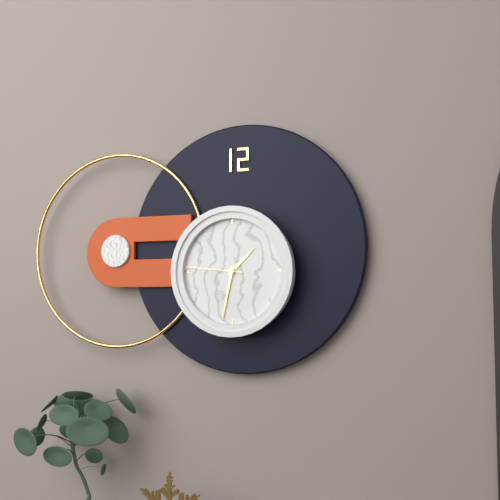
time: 1:32:46
